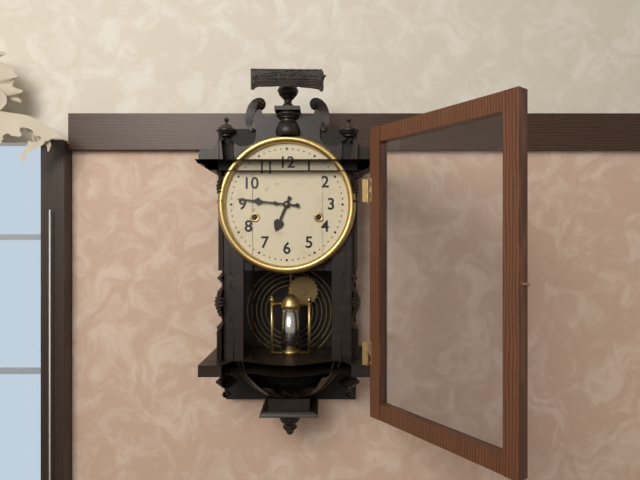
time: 6:46
